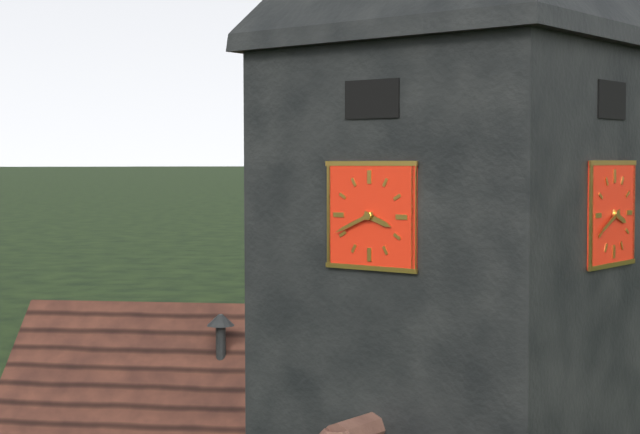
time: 3:41
